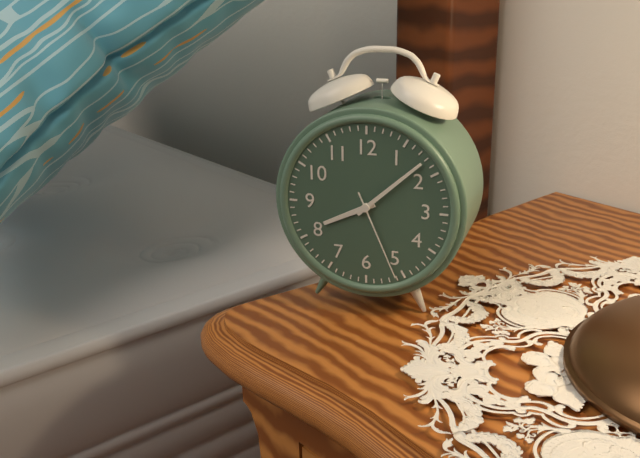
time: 8:08:26
